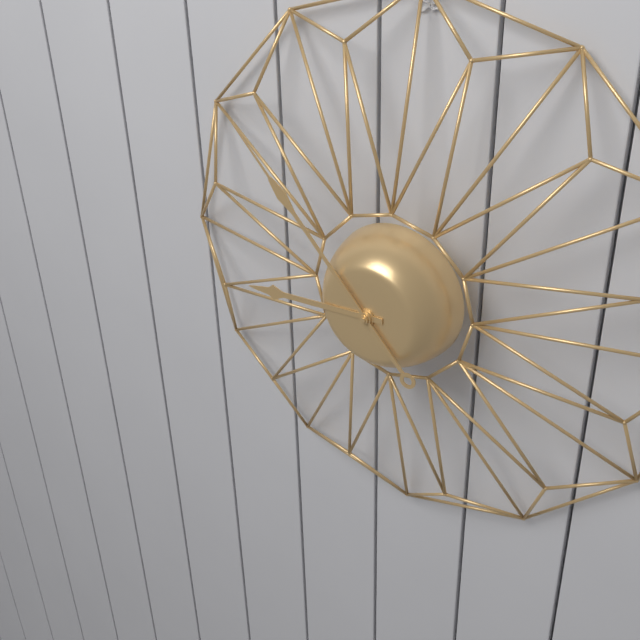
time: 8:53
